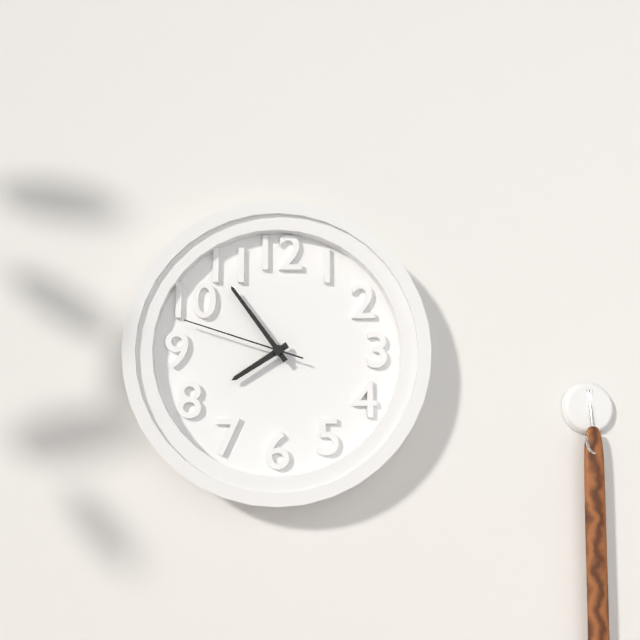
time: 7:54:48
